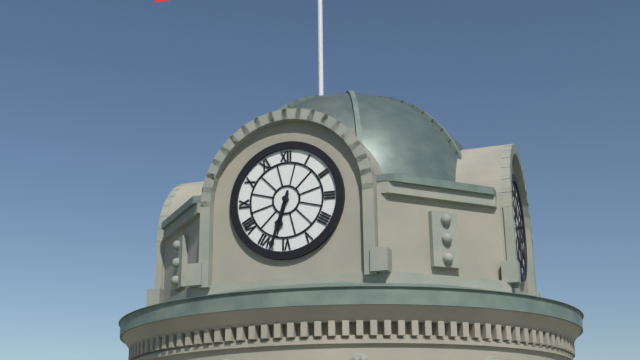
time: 6:33
